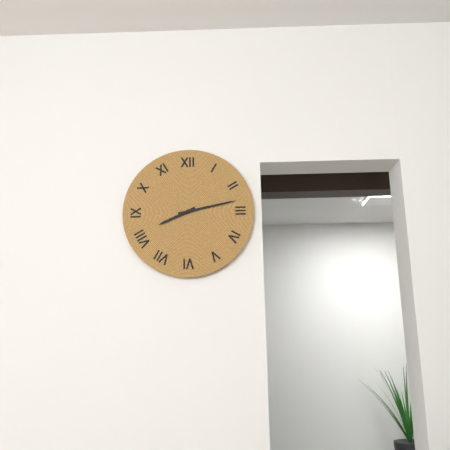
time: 8:13
